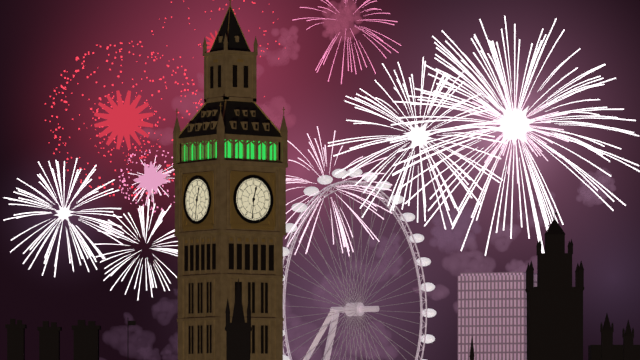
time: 12:31
